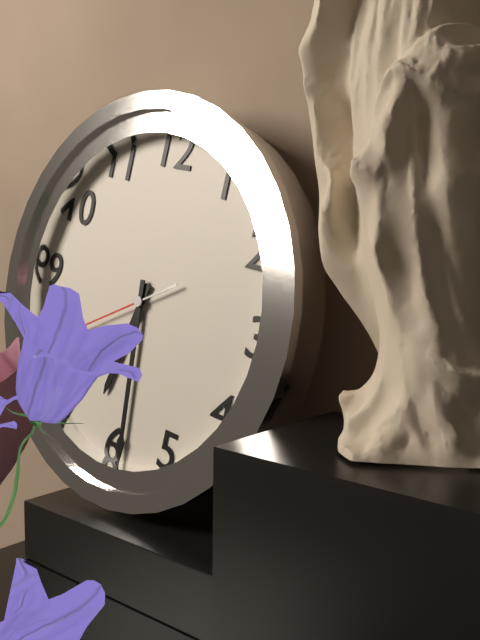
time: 6:29:40
